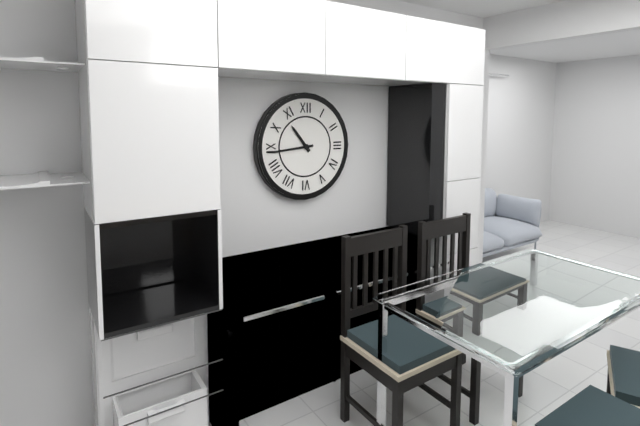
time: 10:44
